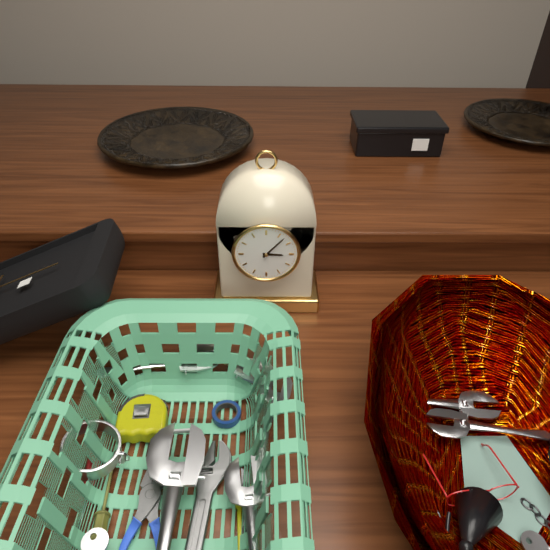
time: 3:07
